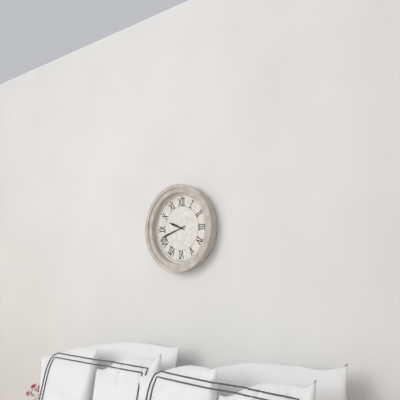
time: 9:42
